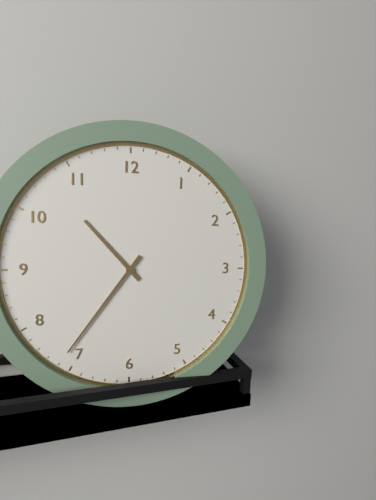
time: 10:36
